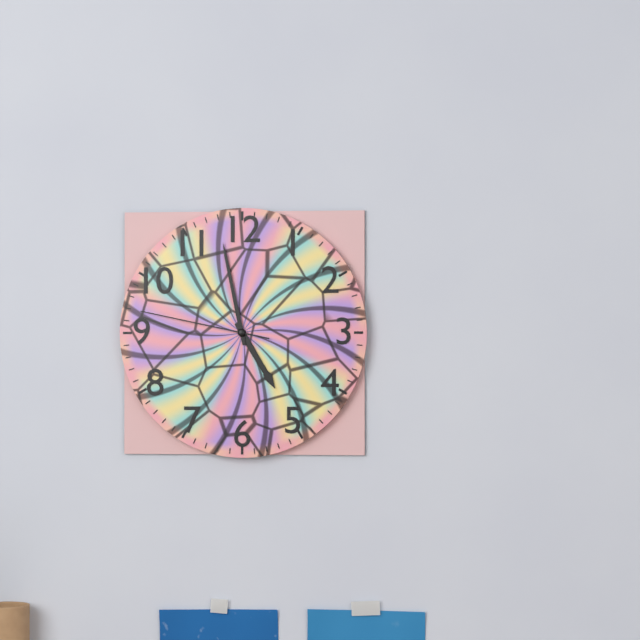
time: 4:58:47
